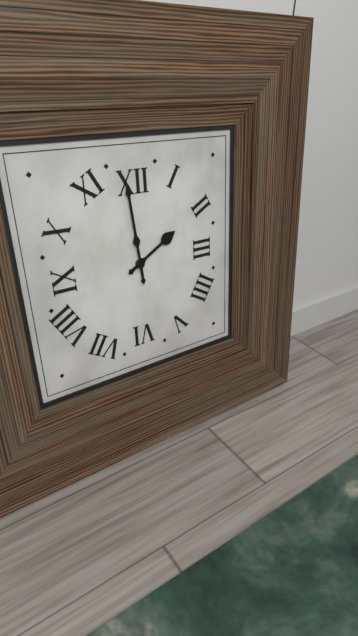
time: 1:59
